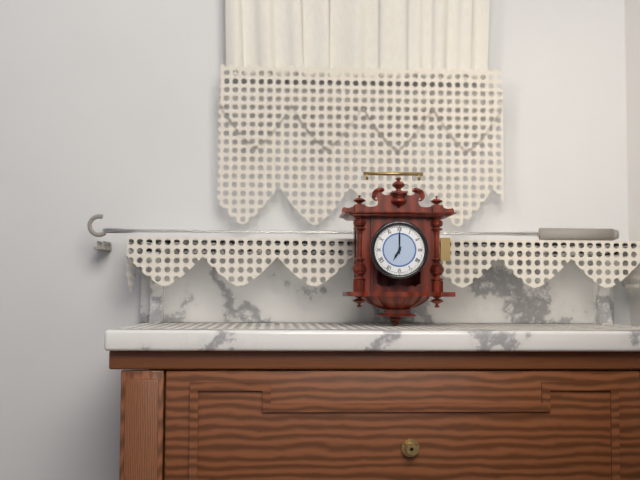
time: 7:00
